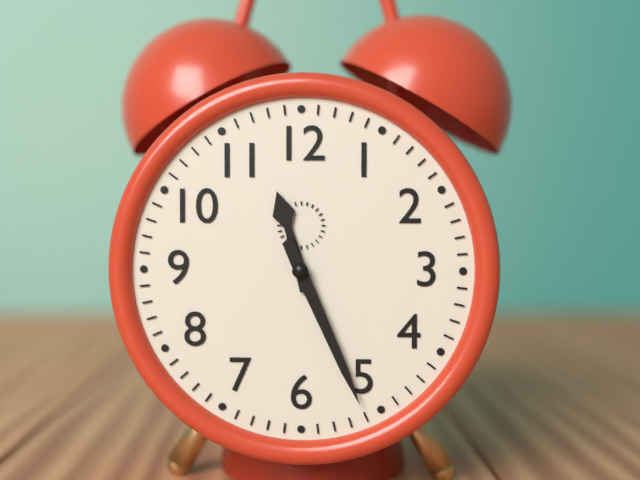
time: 11:26
